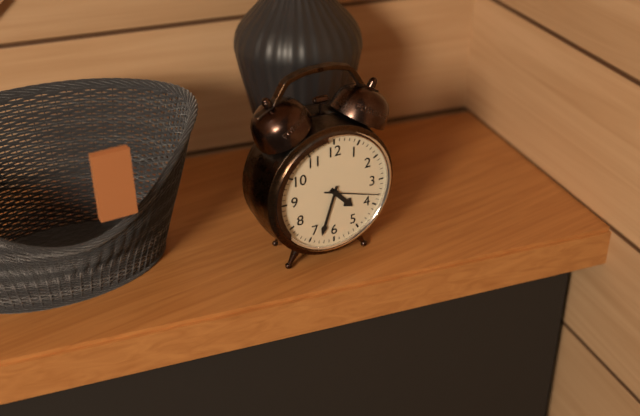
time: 4:33:18
